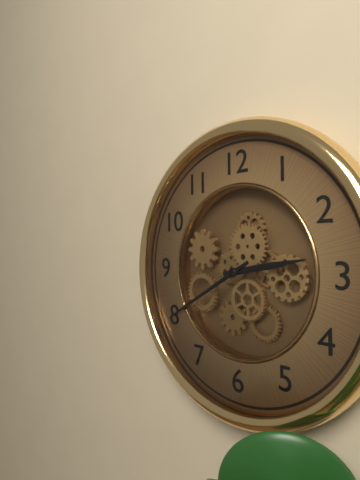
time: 2:40
